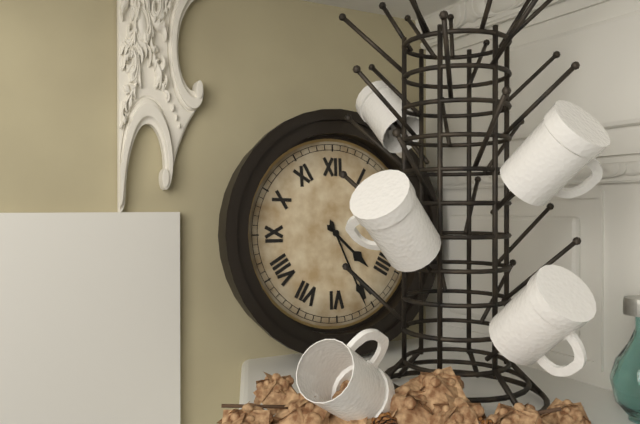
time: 4:26
